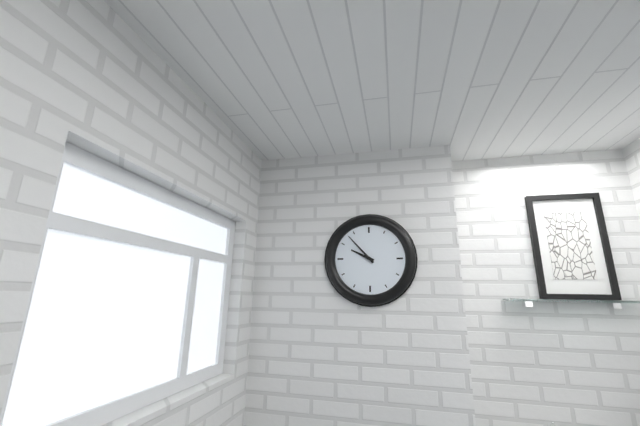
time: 9:53
